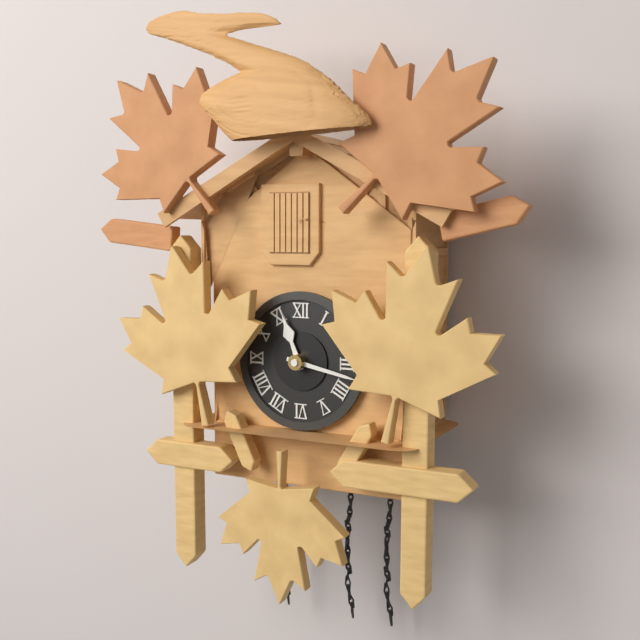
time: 11:17
